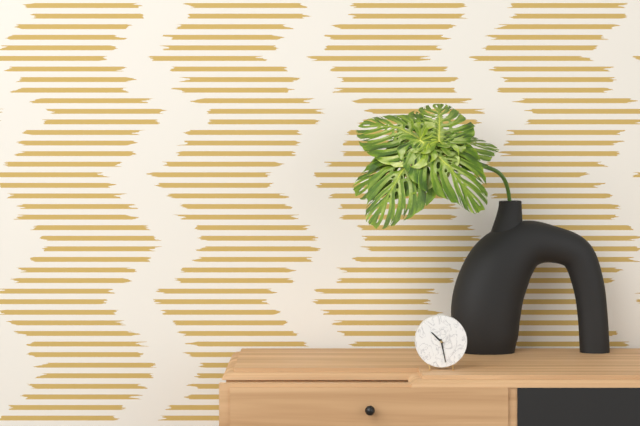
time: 10:28
